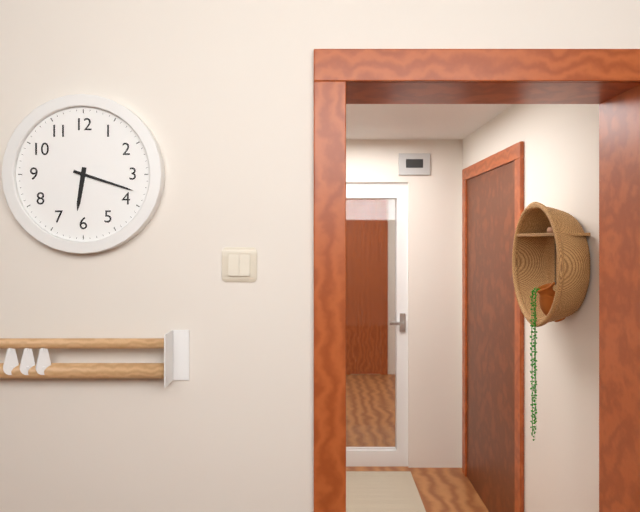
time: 6:18
